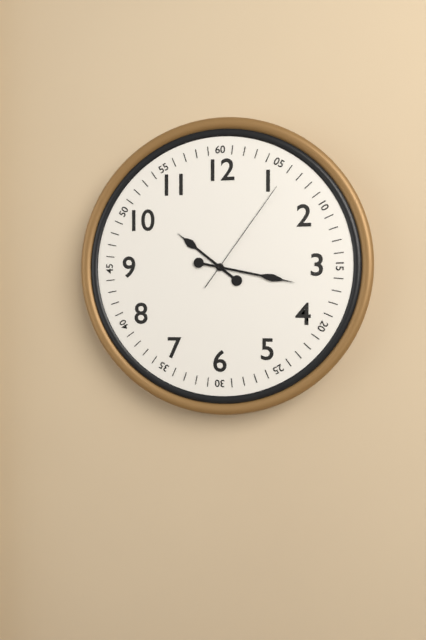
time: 10:17:06
